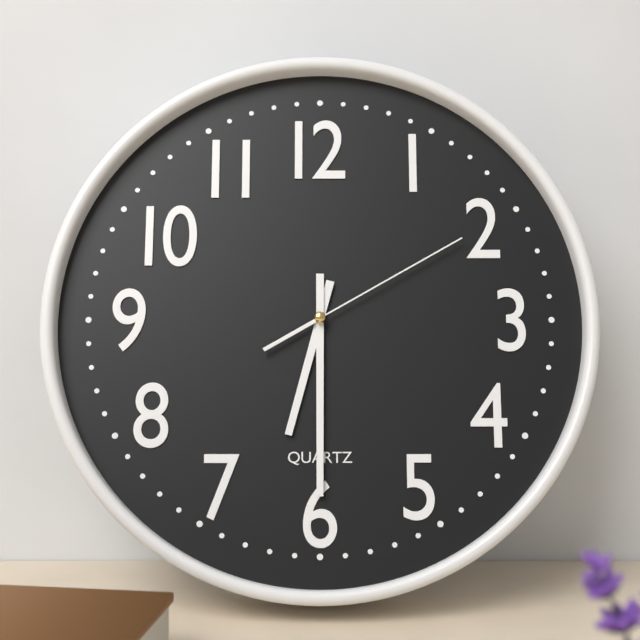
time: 6:30:10
